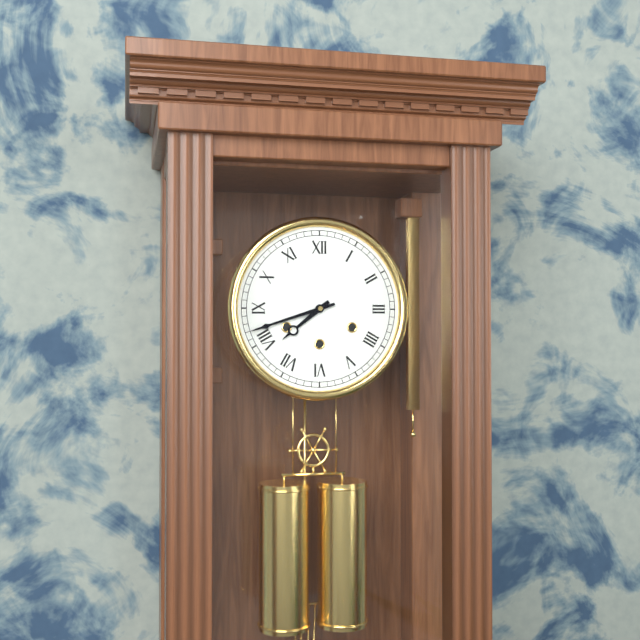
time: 7:42
